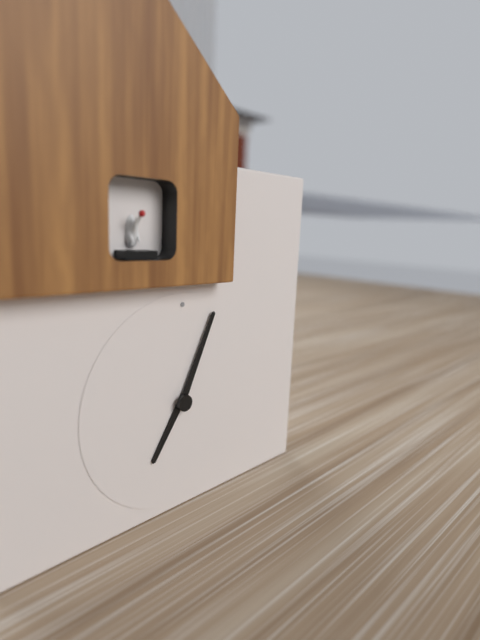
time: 7:04
